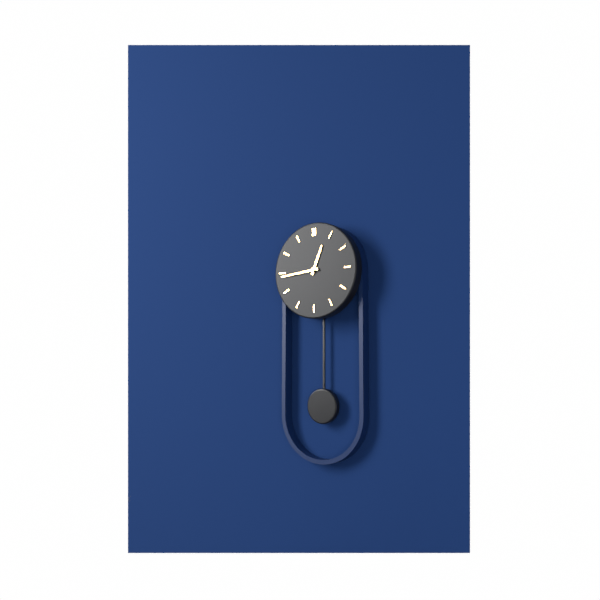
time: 12:44
